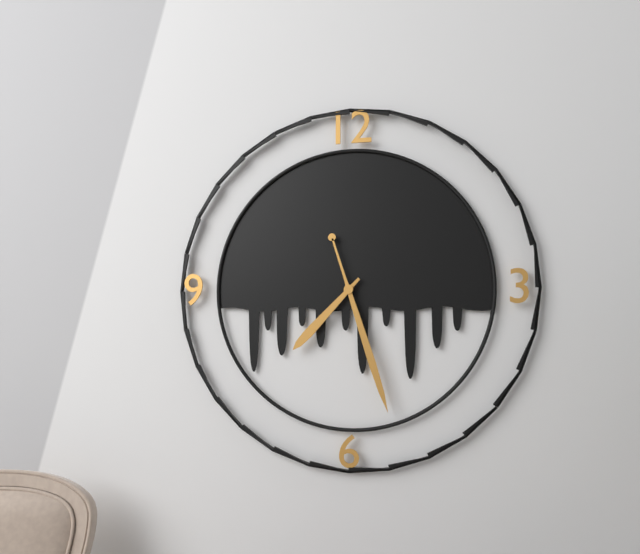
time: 7:27
